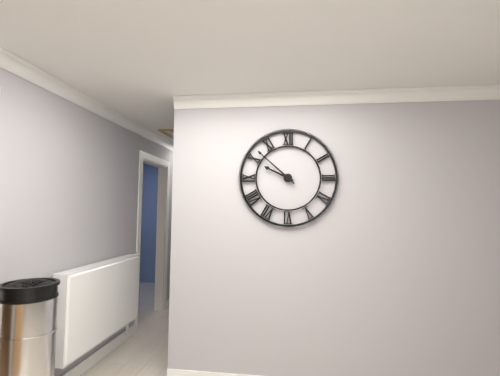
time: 9:52
